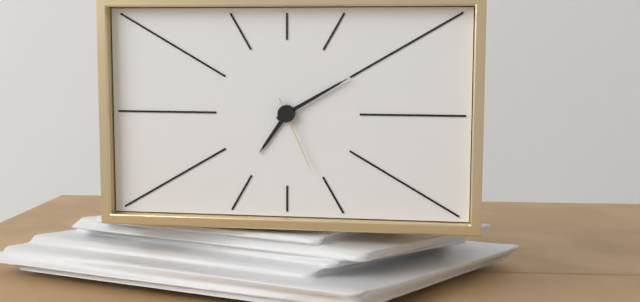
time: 7:10:26
